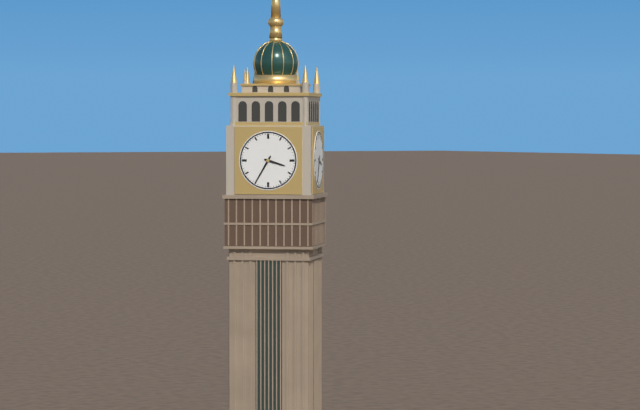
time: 3:35
